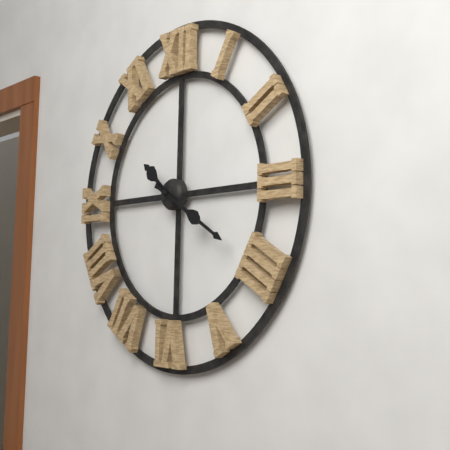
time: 10:20
